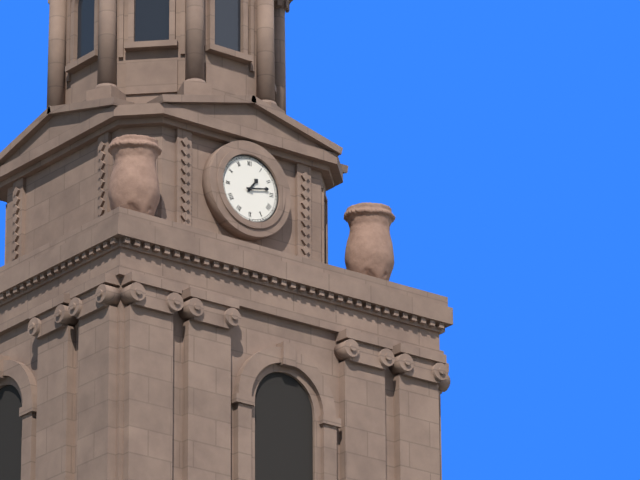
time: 1:13
